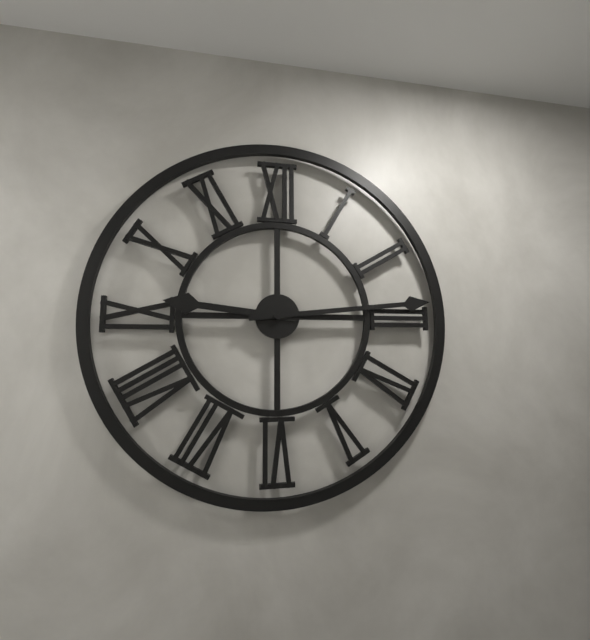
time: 9:14
